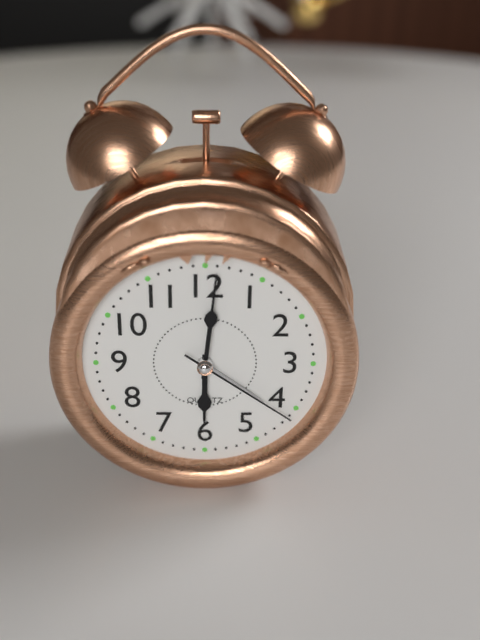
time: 6:01:21
